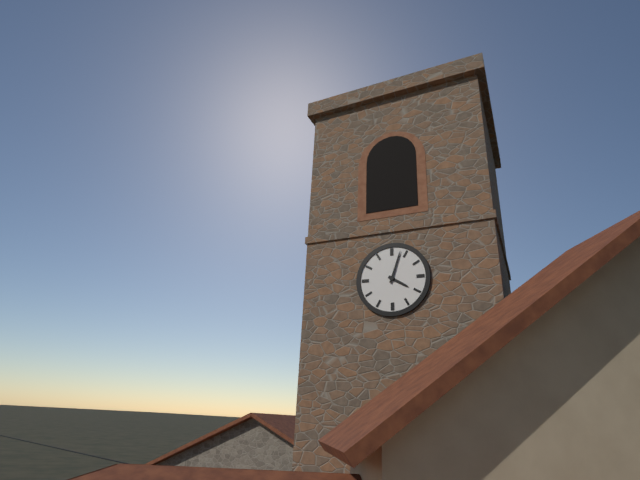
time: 4:03
